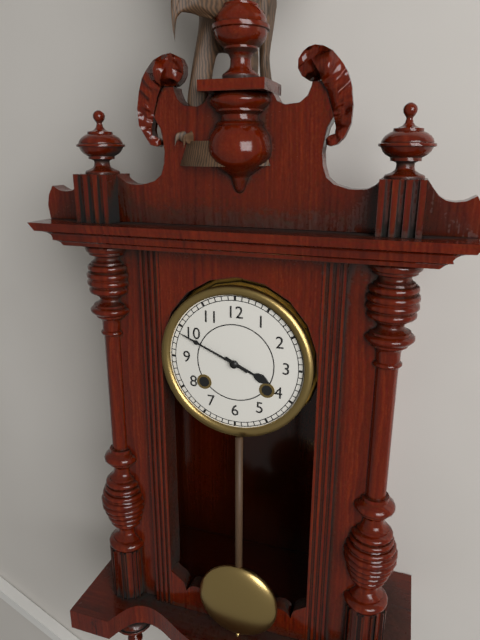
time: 3:49
